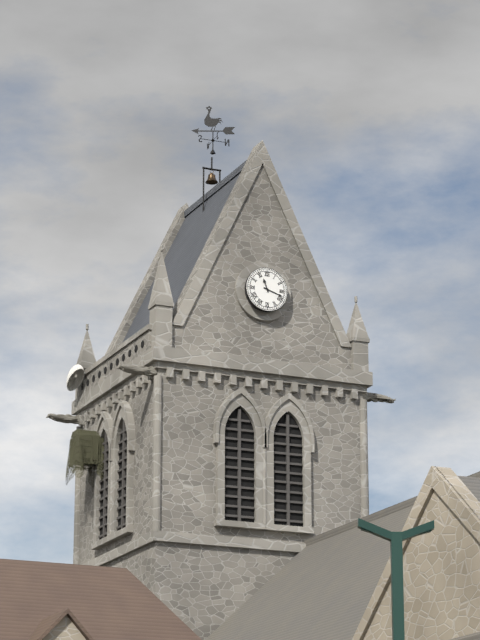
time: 11:18
